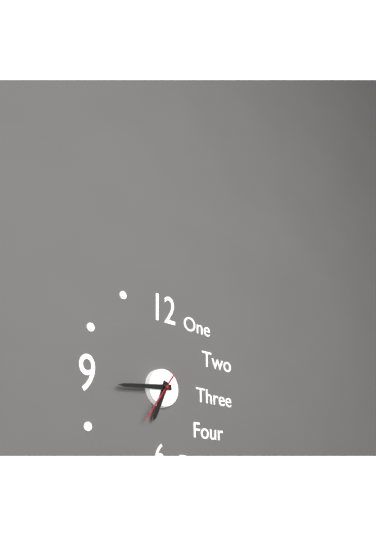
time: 6:44:36
